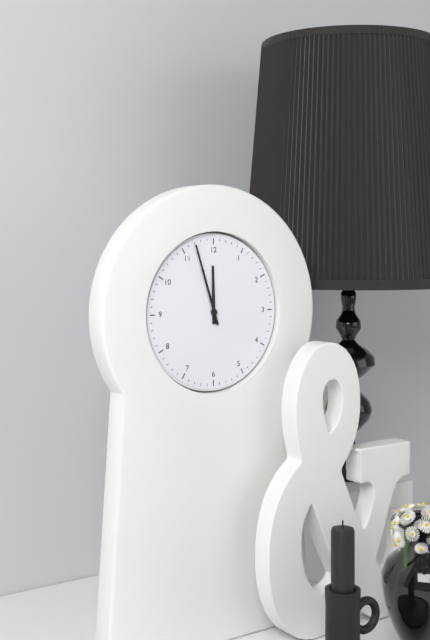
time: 11:57
